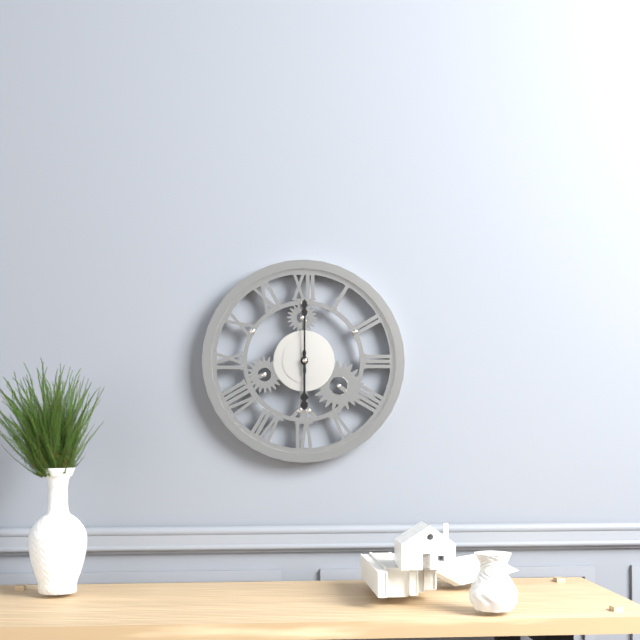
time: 6:00
